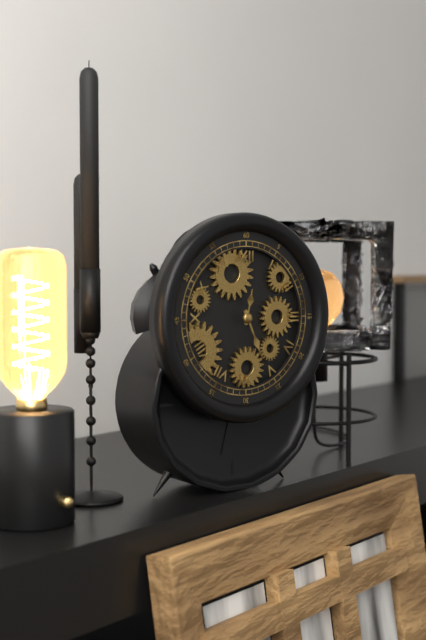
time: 12:26
